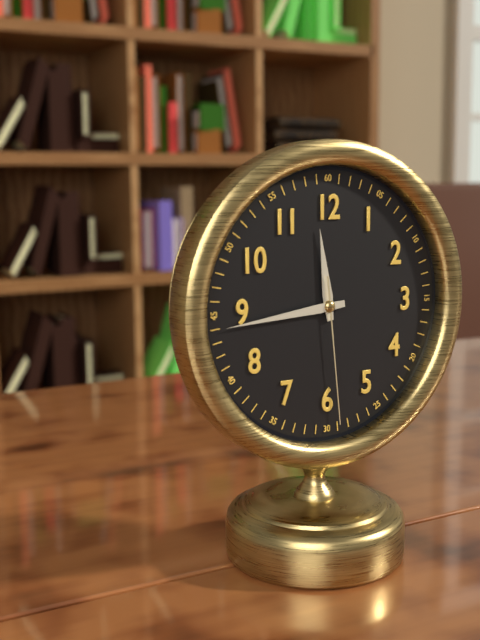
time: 11:44:29
